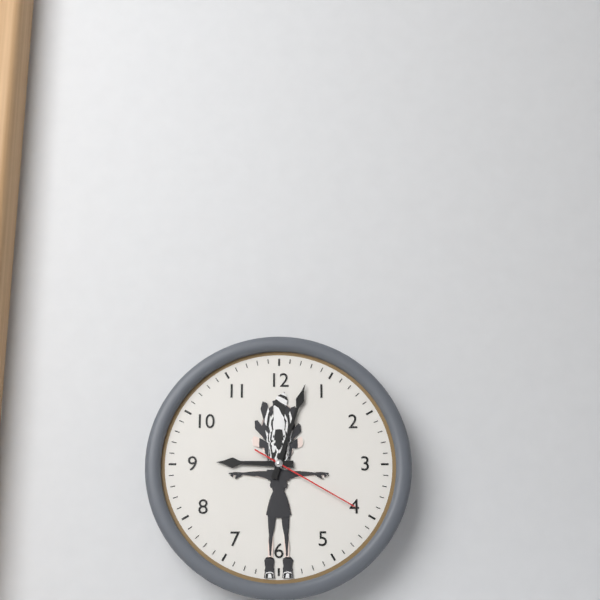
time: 9:03:20
